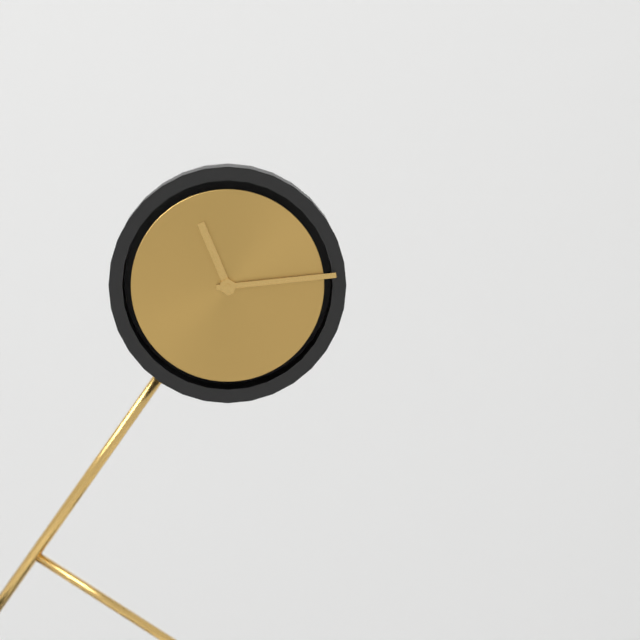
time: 11:14
